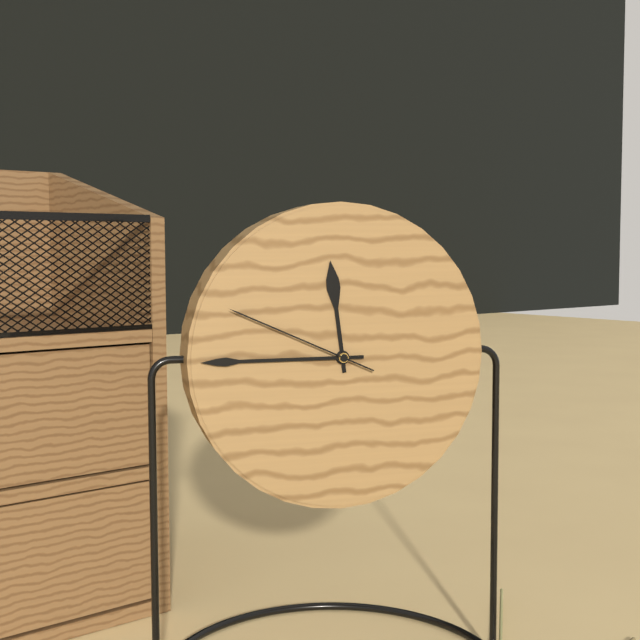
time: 11:45:49
